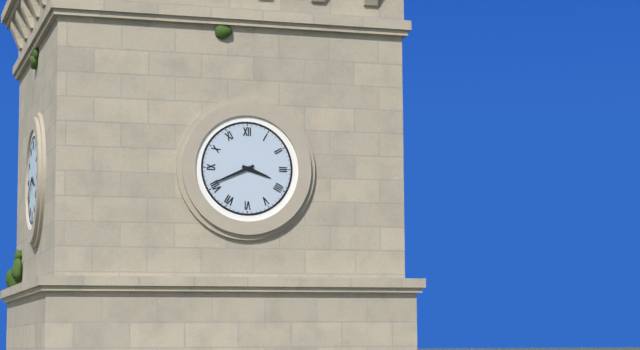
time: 3:41
